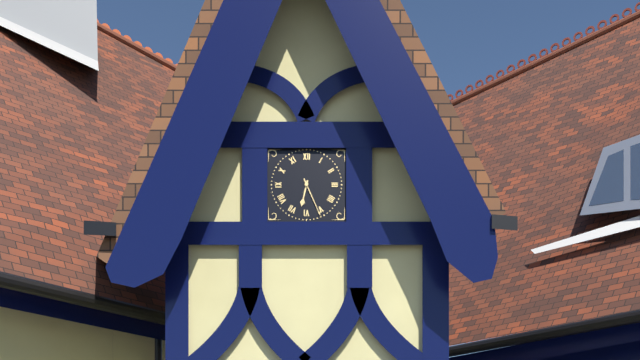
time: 6:26
